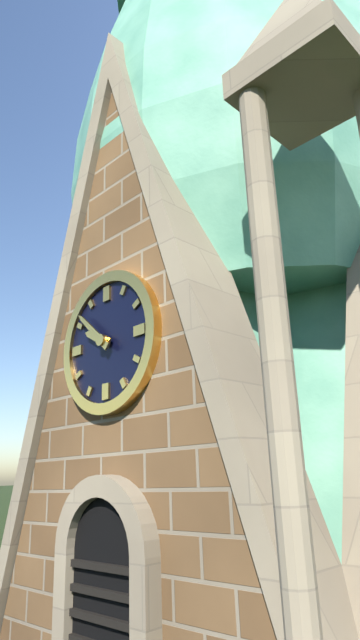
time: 9:52
